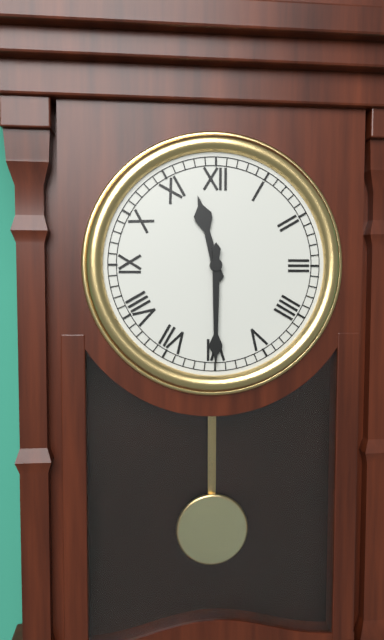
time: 11:30
